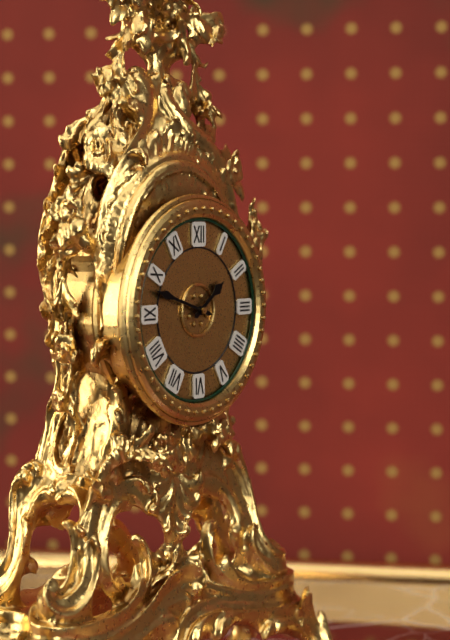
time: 1:48
